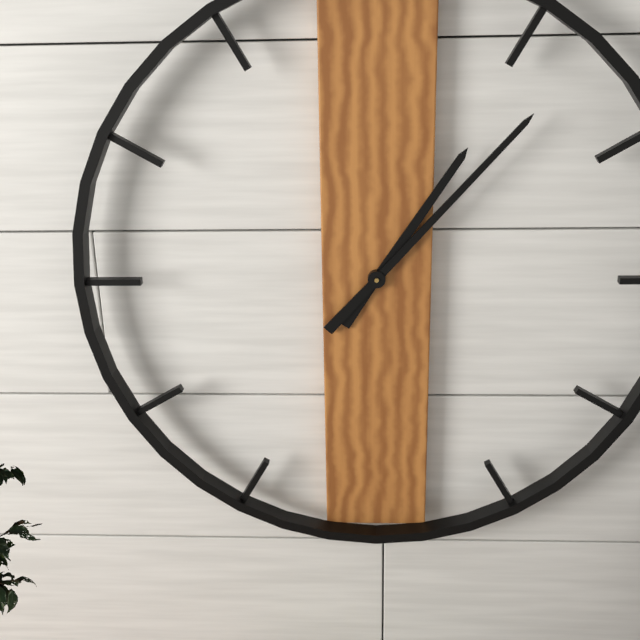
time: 1:07
